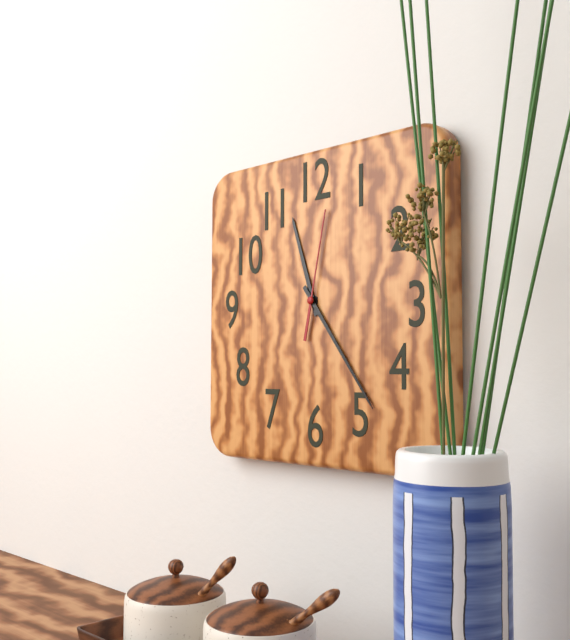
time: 11:24:02
